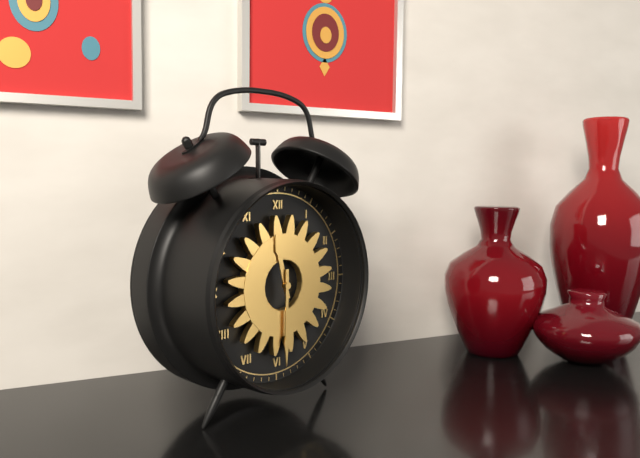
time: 11:30
